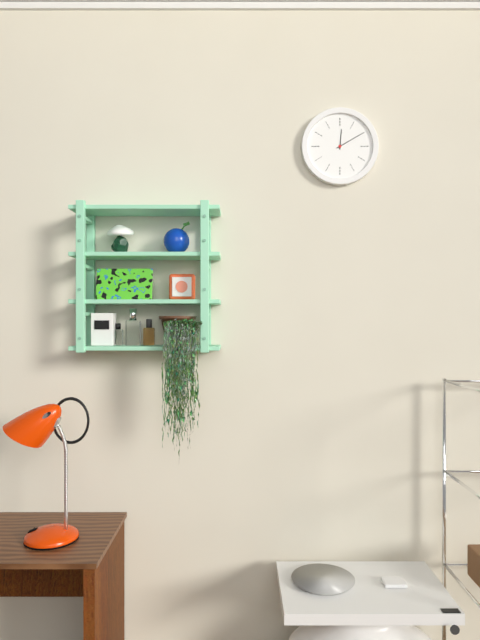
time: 12:10
